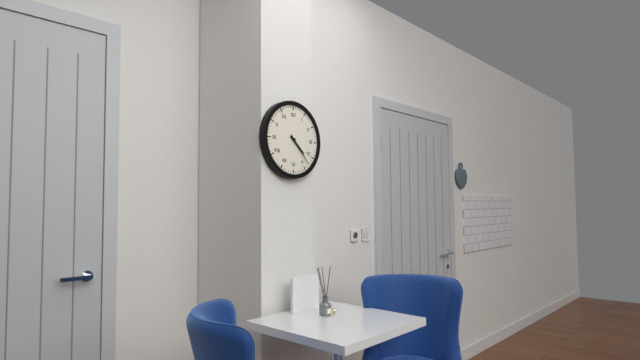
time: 4:23
